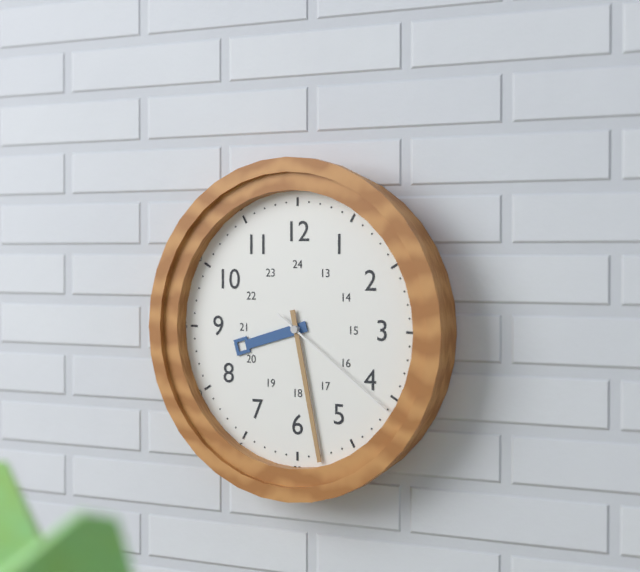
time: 8:28:21
